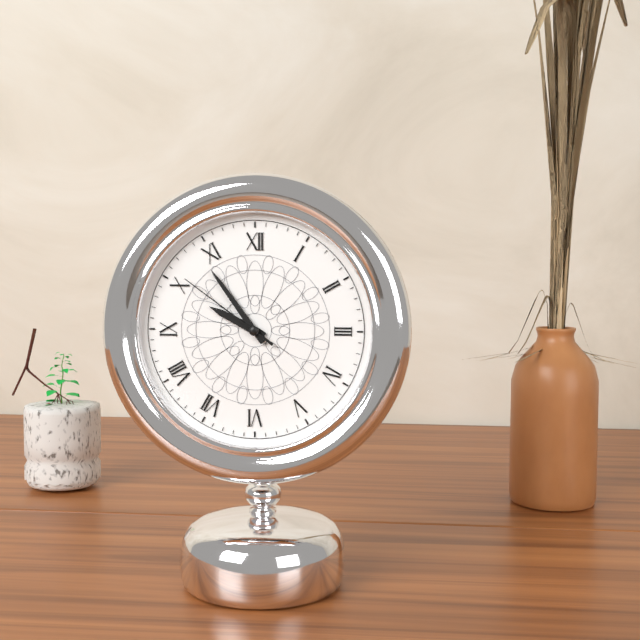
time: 9:54:51
